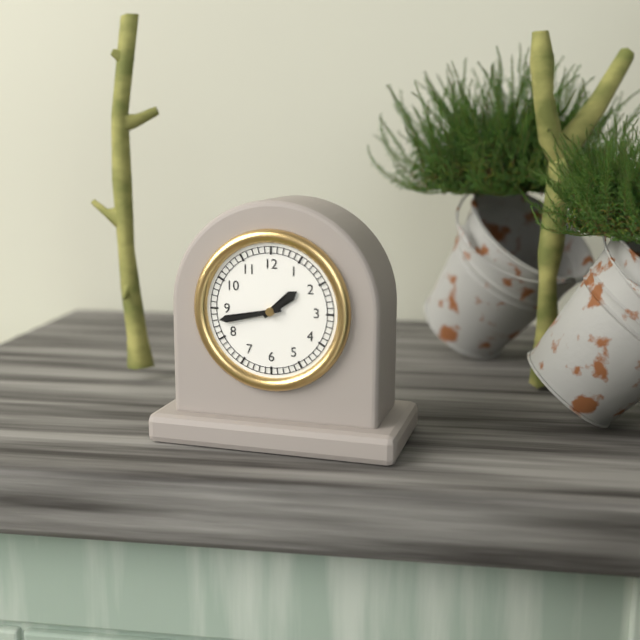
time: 1:43
